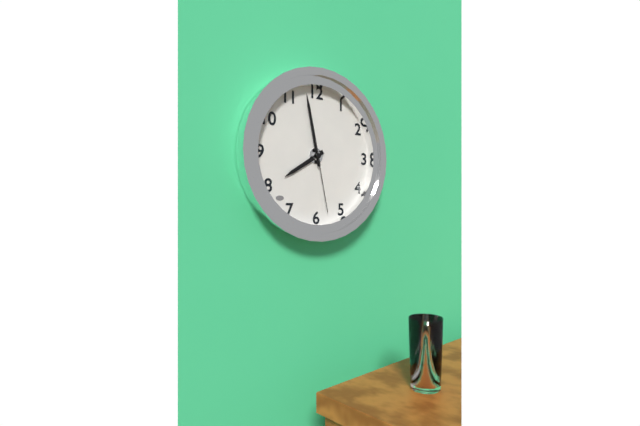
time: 7:58:28
